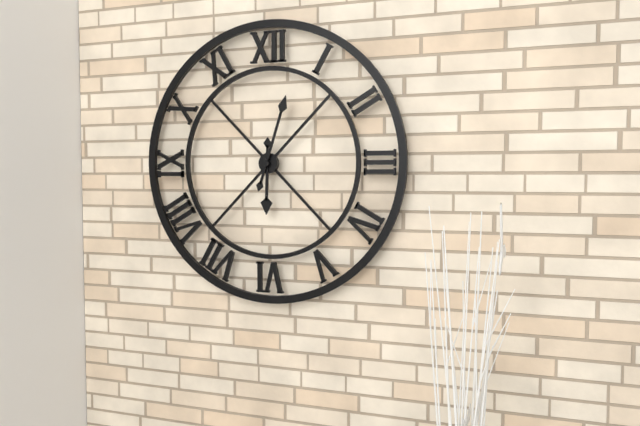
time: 6:03
